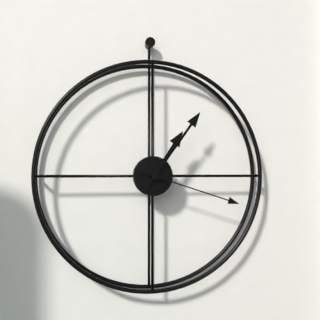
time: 1:06:18
